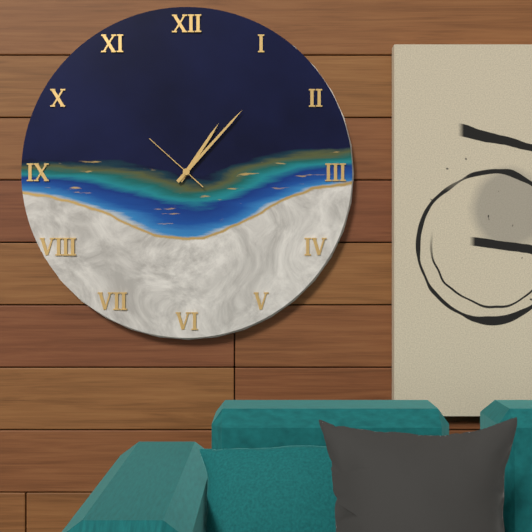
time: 1:07:52
